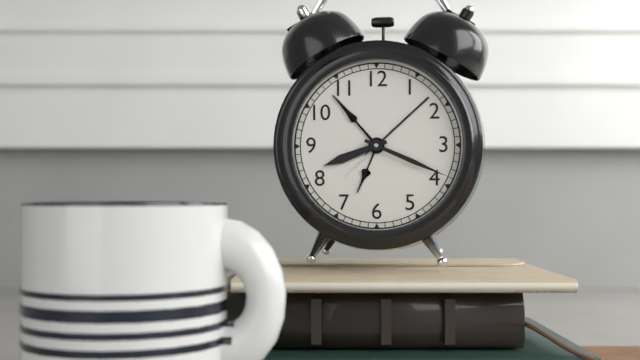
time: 8:19
